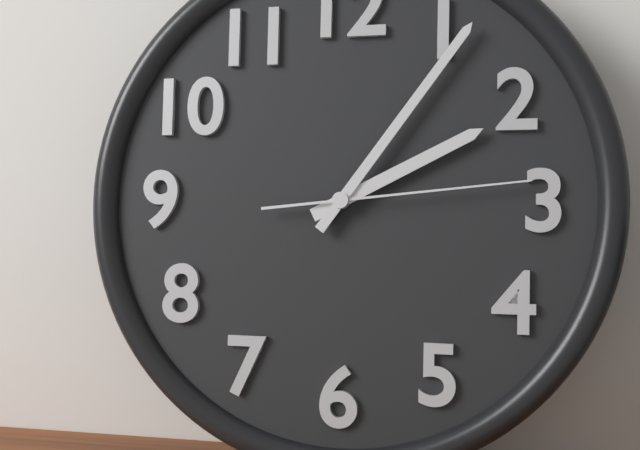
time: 2:06:14
